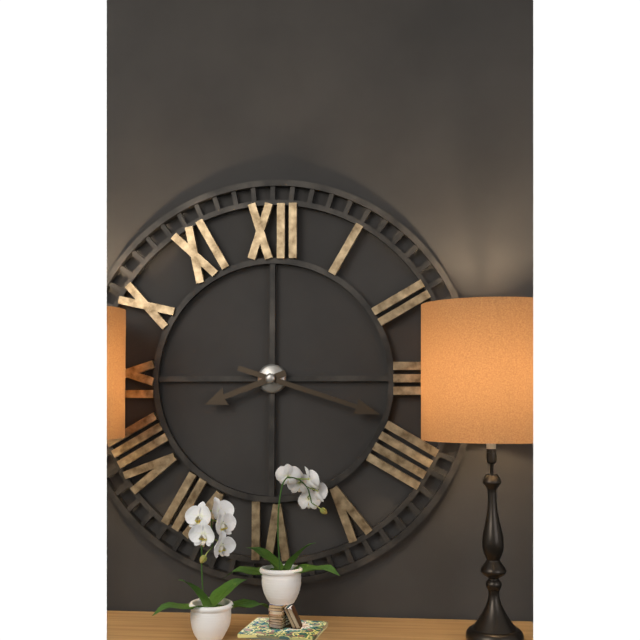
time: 8:18
